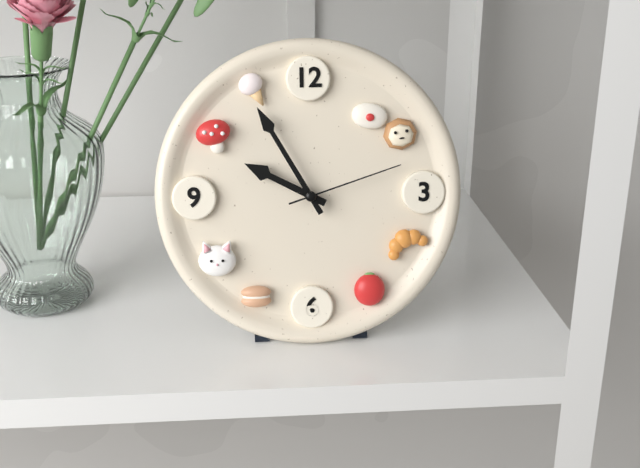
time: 9:55:12
